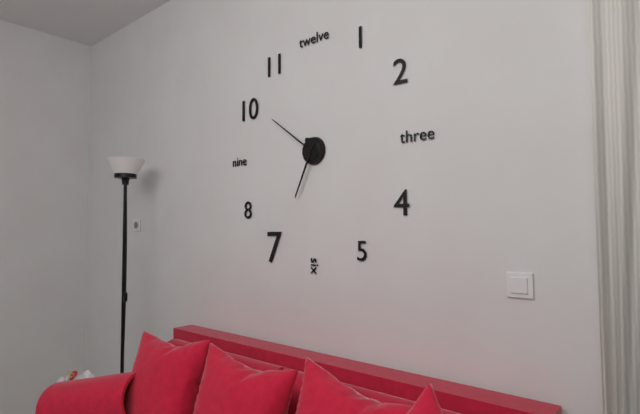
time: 6:51
